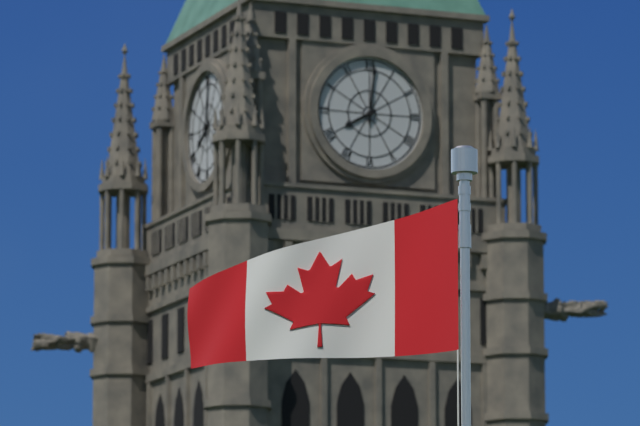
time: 8:01
